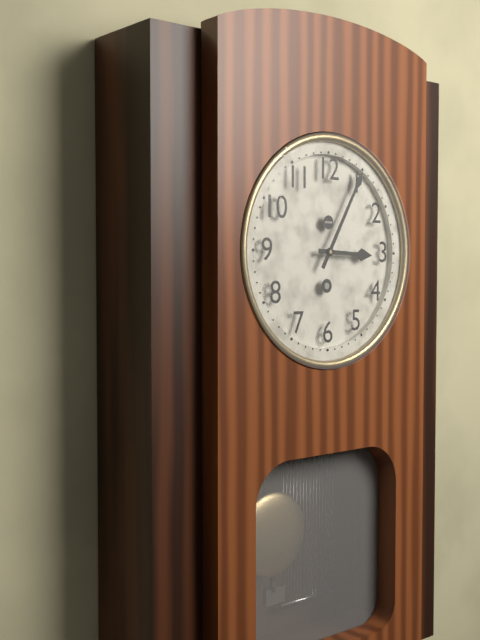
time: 3:05
